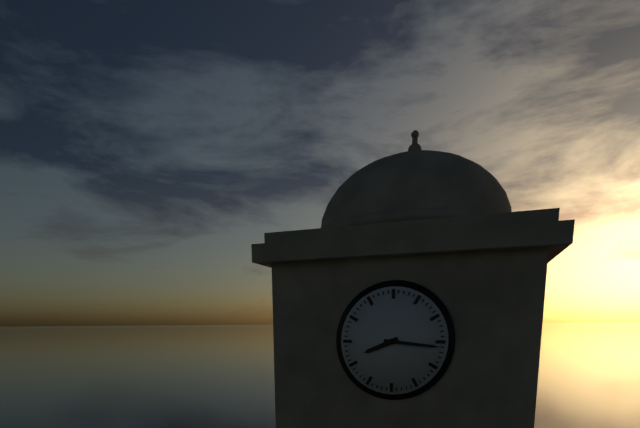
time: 8:16
